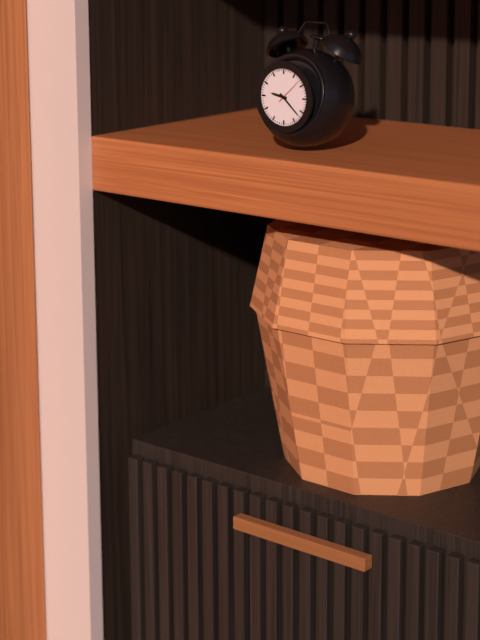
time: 9:22
